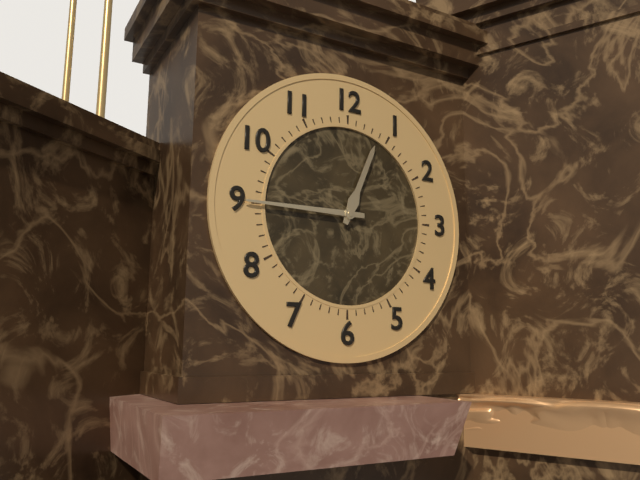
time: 12:45
